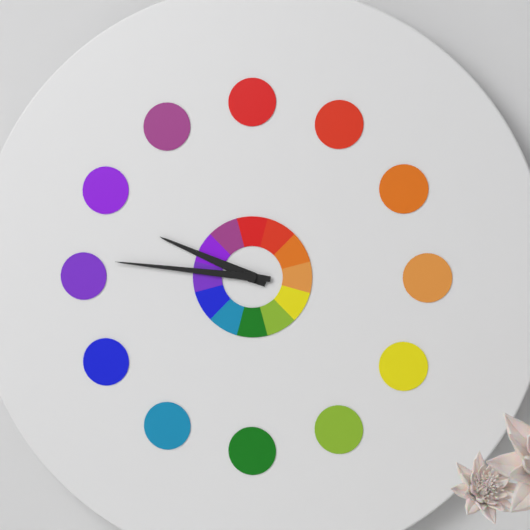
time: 9:46
